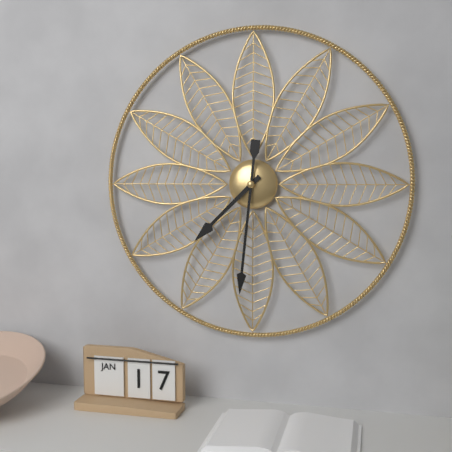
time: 7:31
